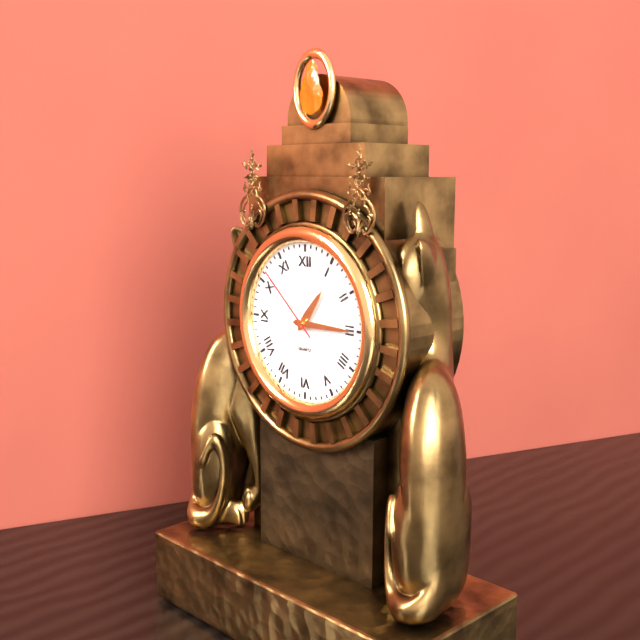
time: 1:15:52
